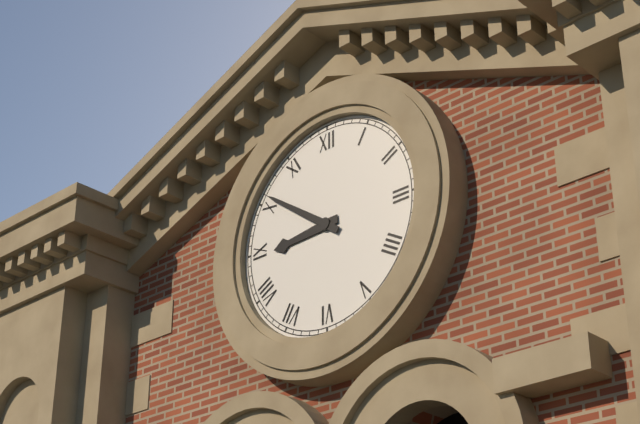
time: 8:51
